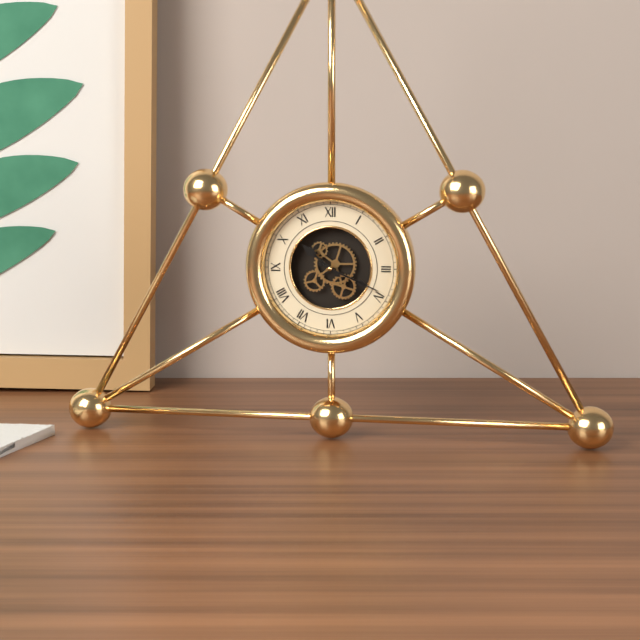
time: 10:19
